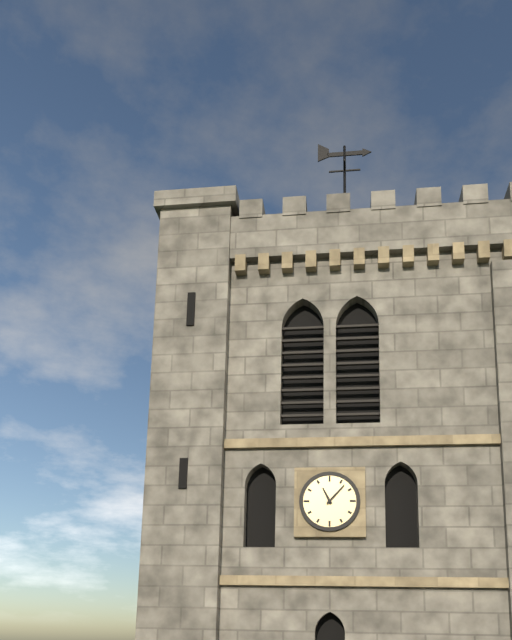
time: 11:07
